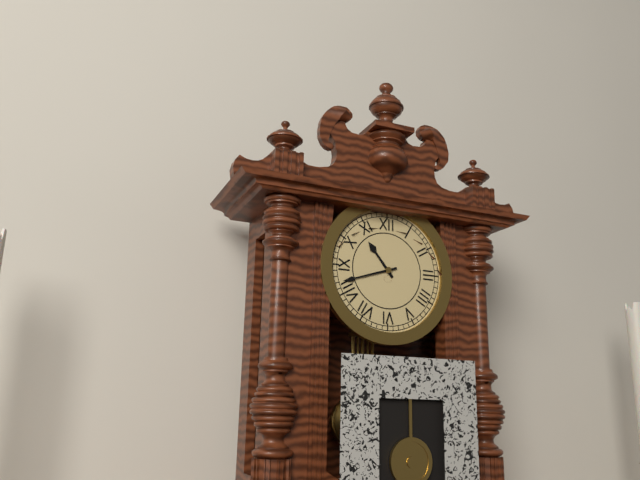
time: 10:42
